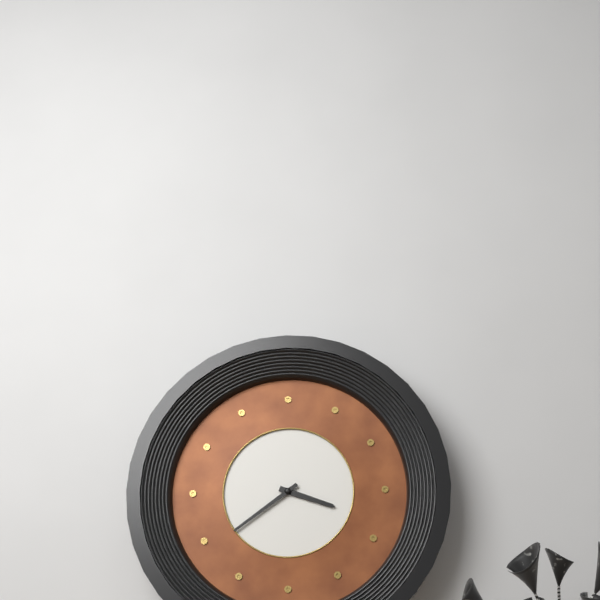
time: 3:39
